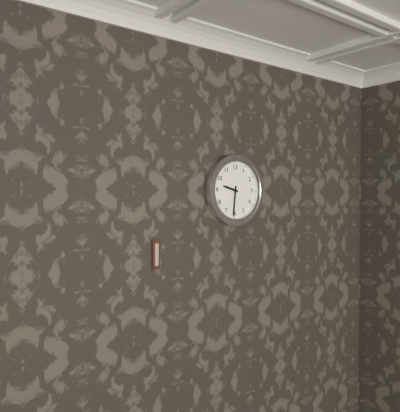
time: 9:31
